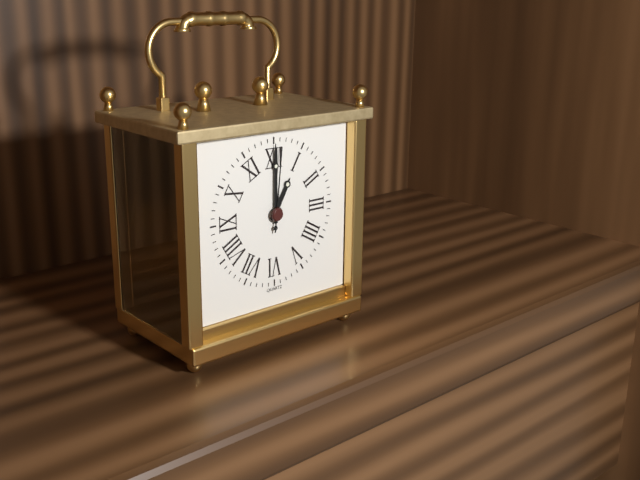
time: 1:00:01
